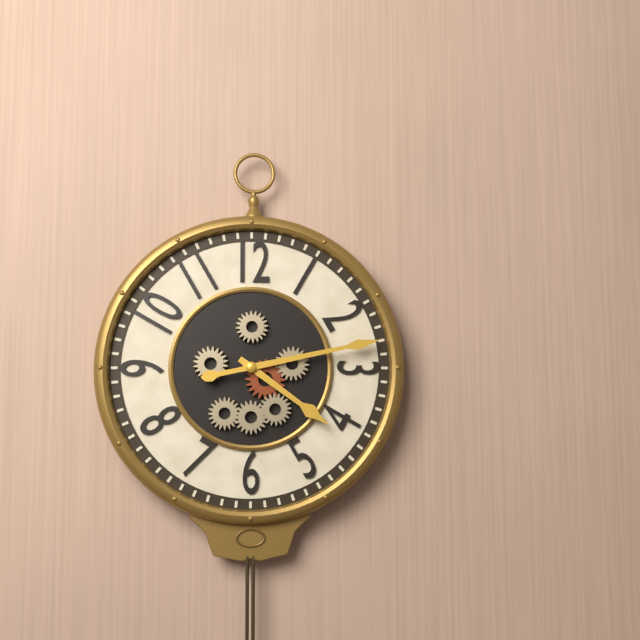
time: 4:13
